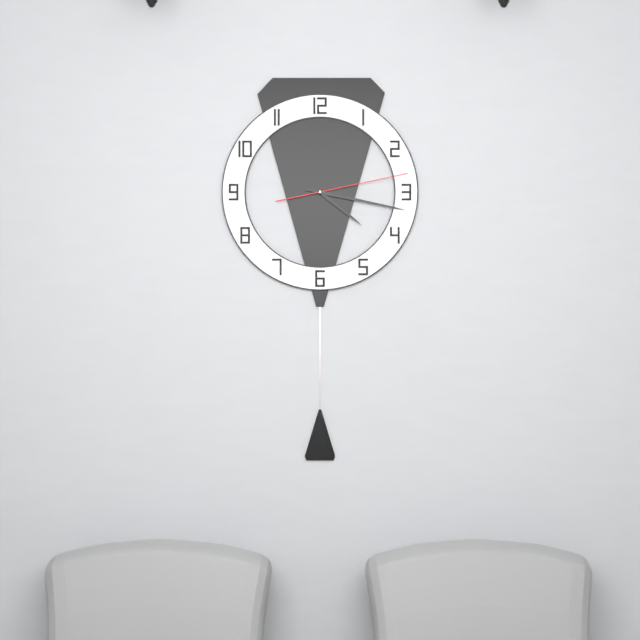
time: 4:17:13
